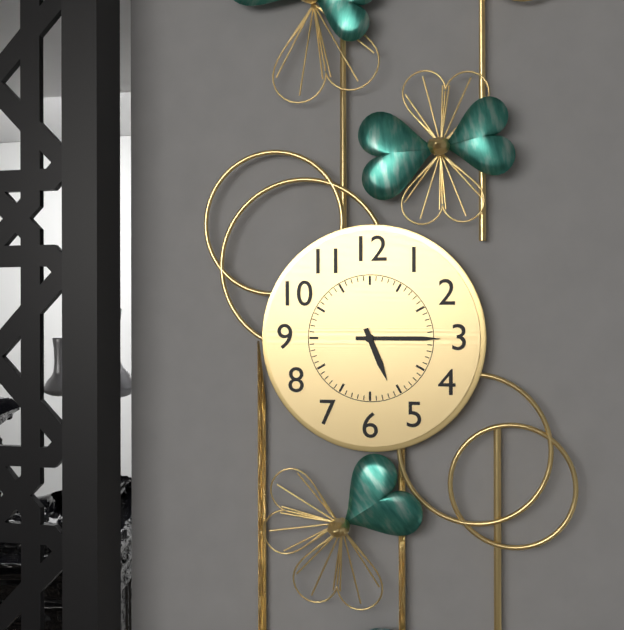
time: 5:15
